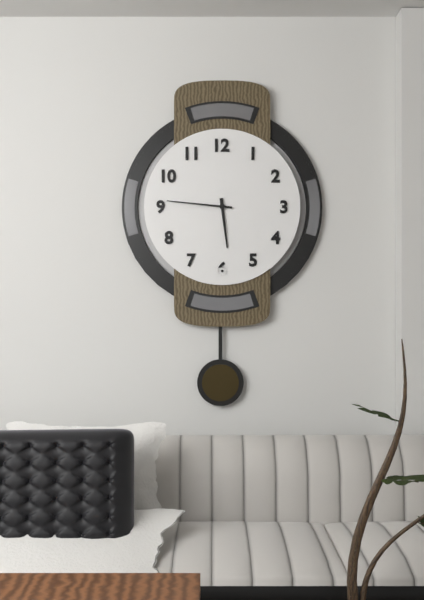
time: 5:46
